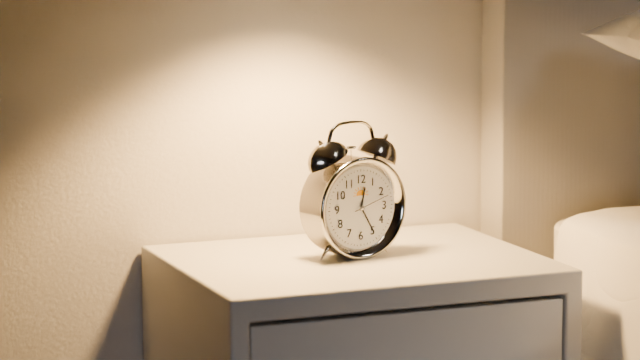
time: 12:25
